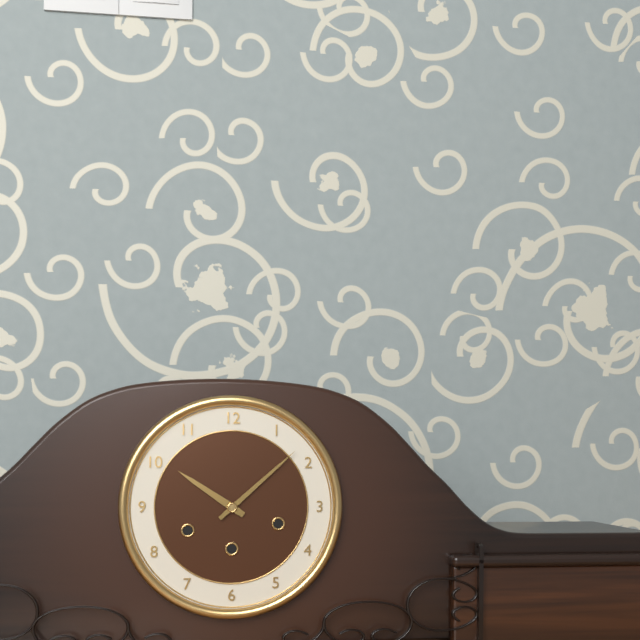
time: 10:08
